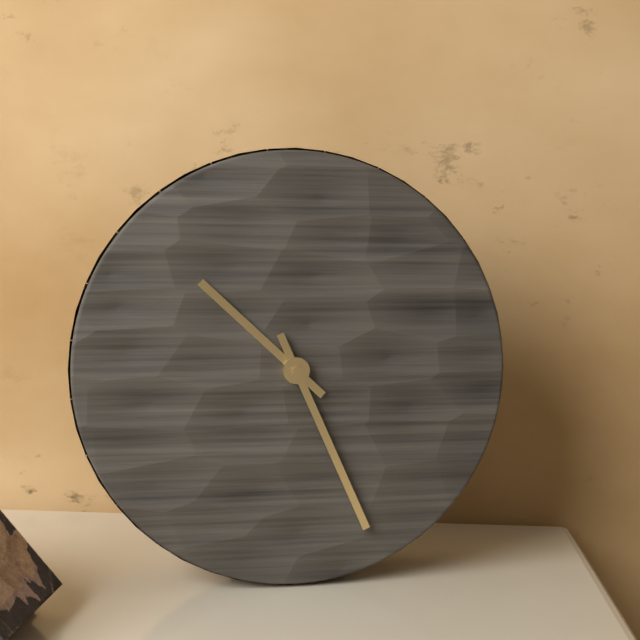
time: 10:26
